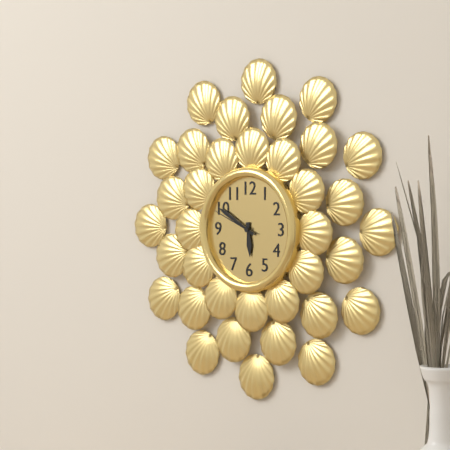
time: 5:50
